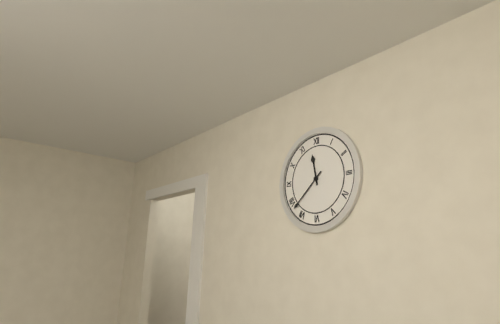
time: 11:38
